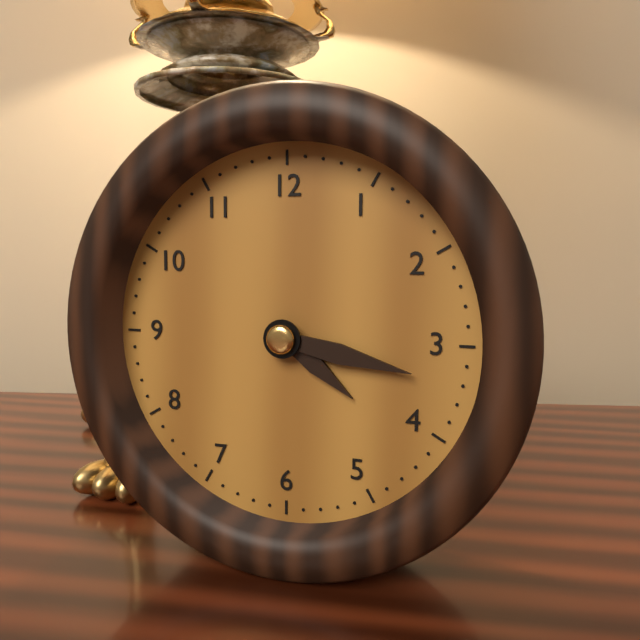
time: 4:17
